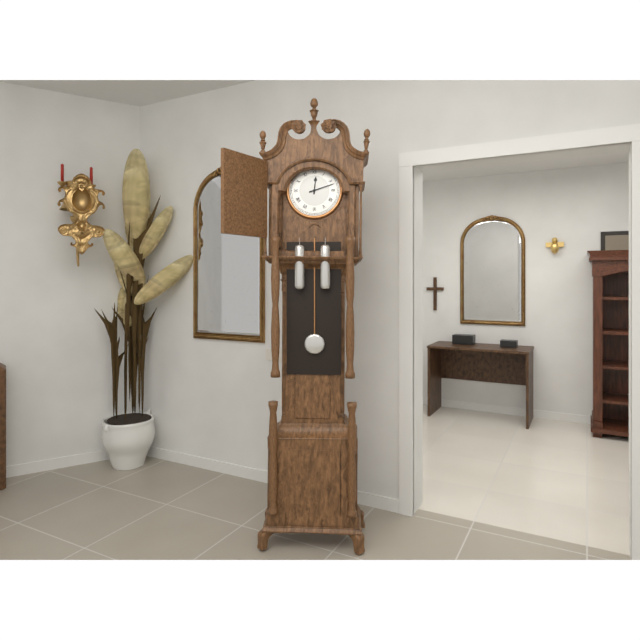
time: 12:12
